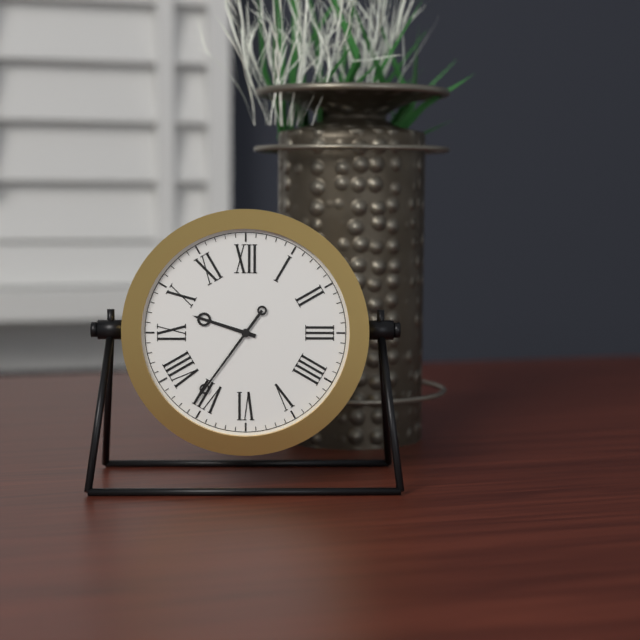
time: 9:36
